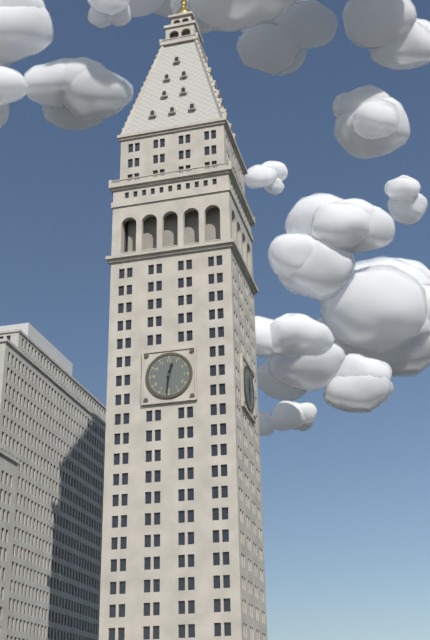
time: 12:31
